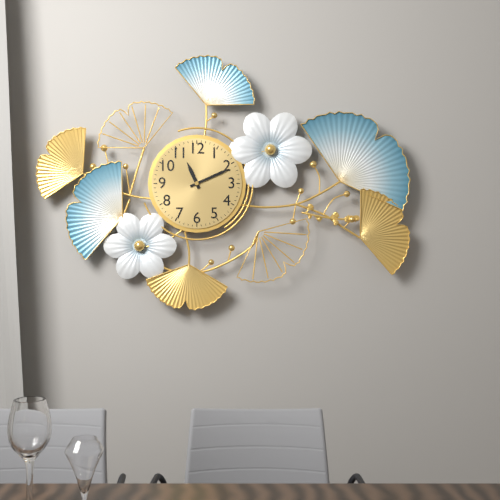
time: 11:11
